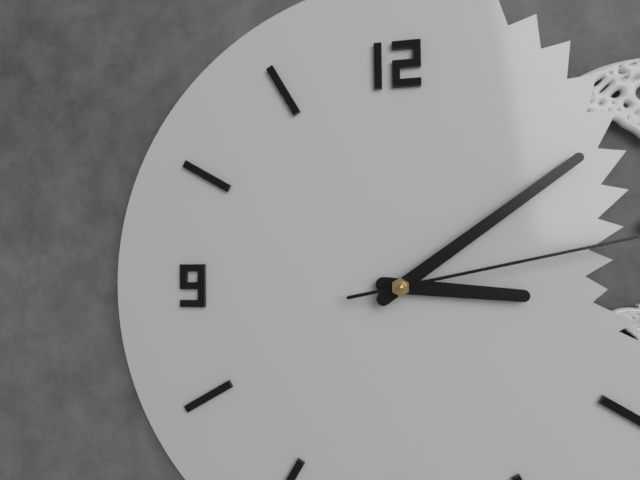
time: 3:09:13
